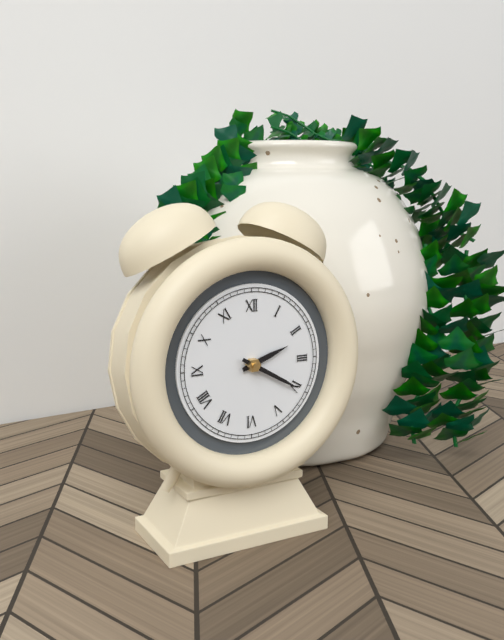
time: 2:20
